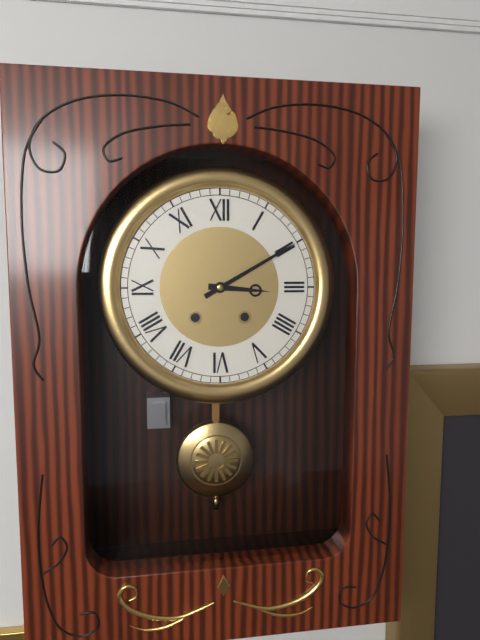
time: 3:10
